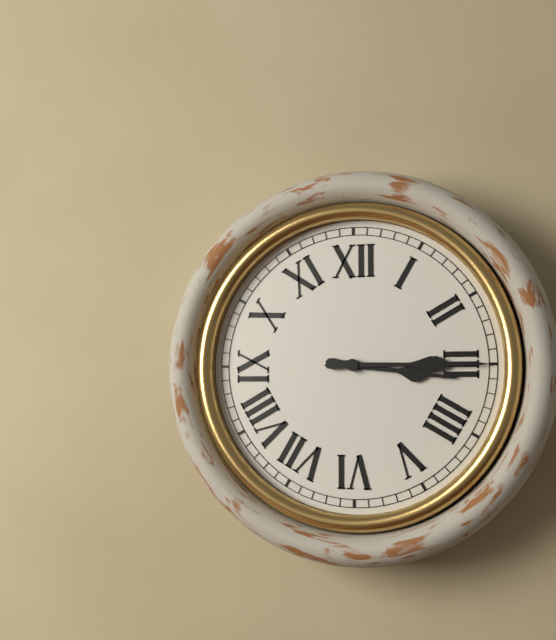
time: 3:15
